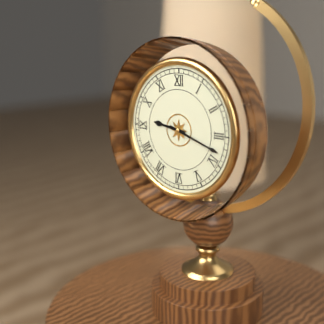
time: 9:18
